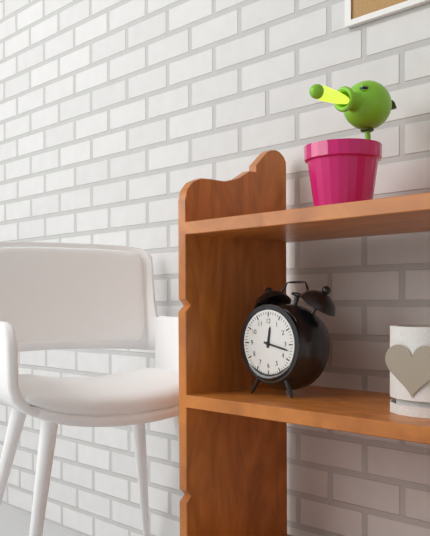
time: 12:17
